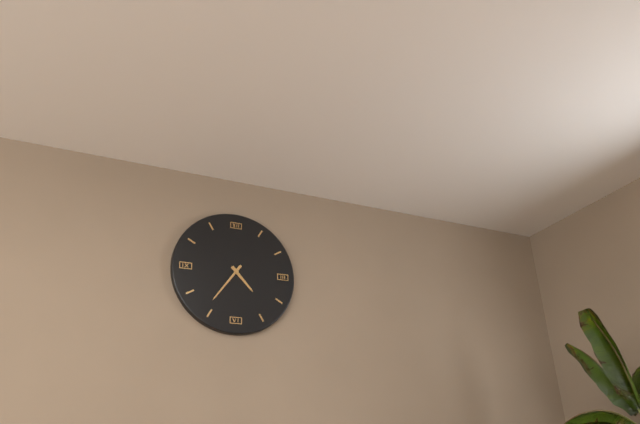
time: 4:36
